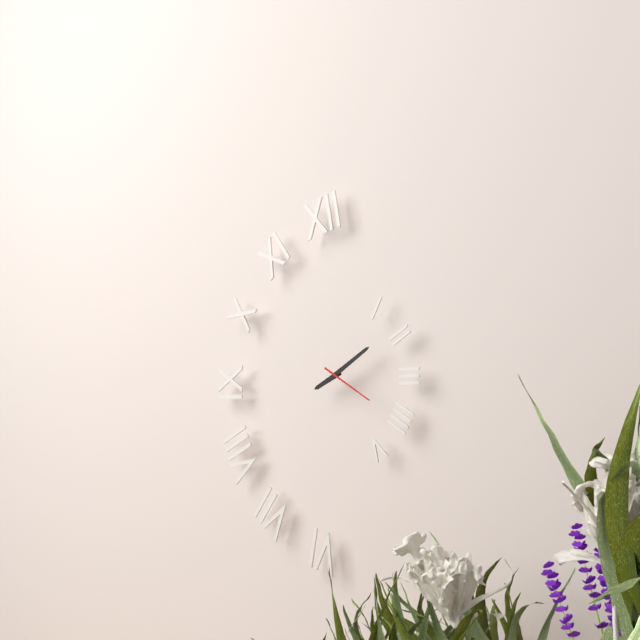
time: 8:10:20
